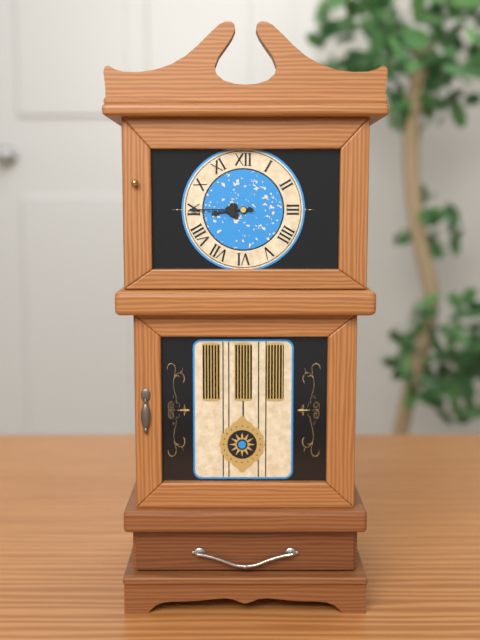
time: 8:45
